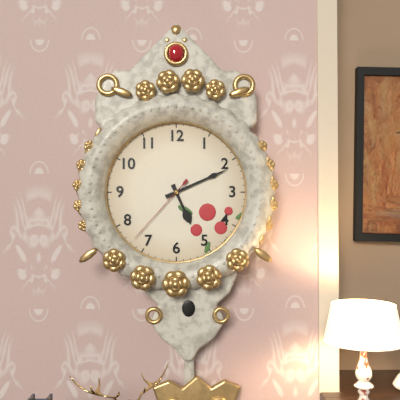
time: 5:11:37
